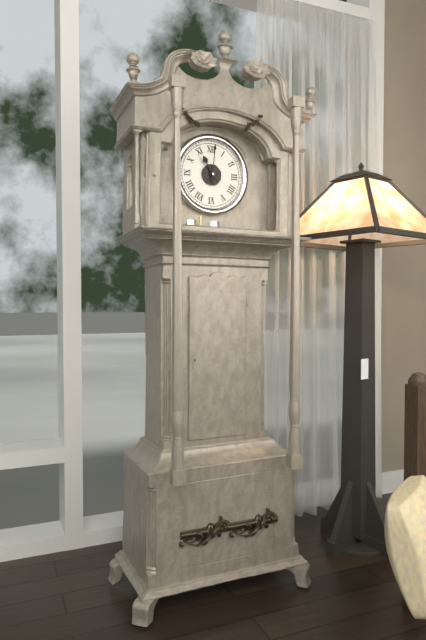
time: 11:01
